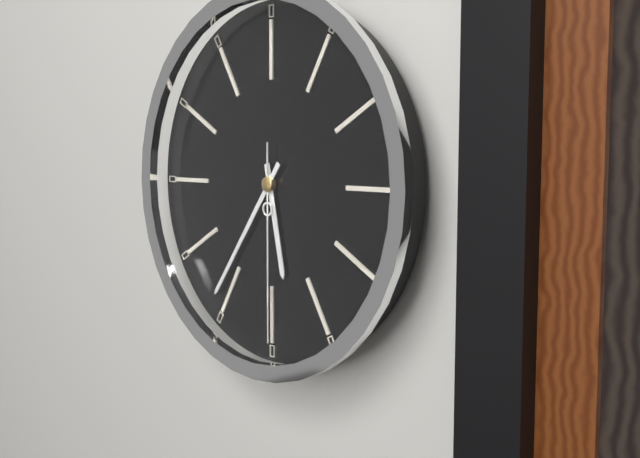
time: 5:36:30
